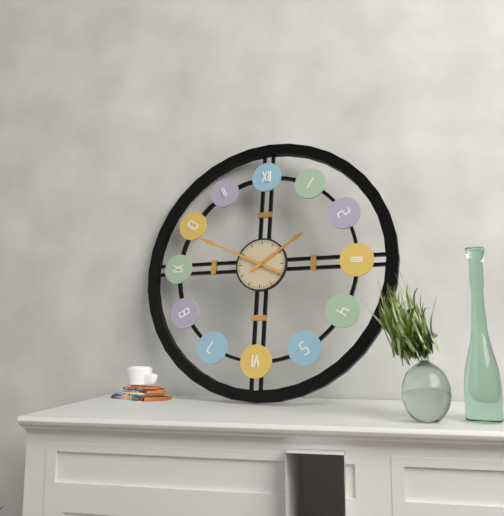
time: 1:49
